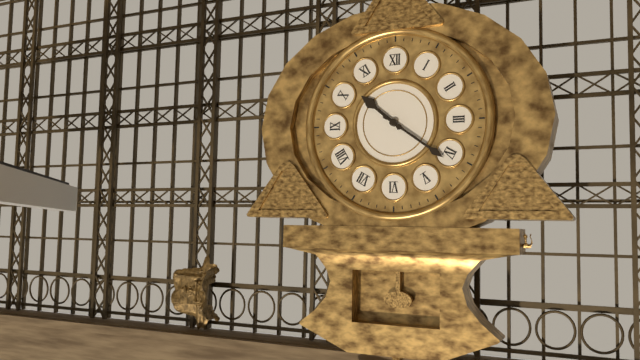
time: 10:21
